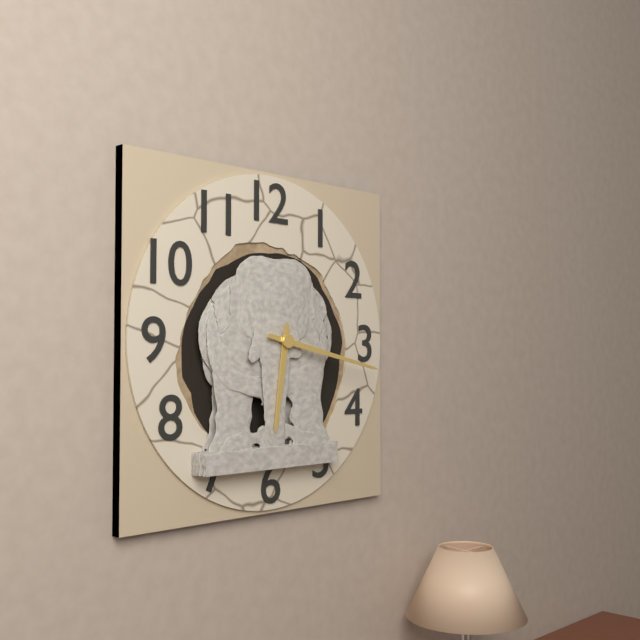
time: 6:17
